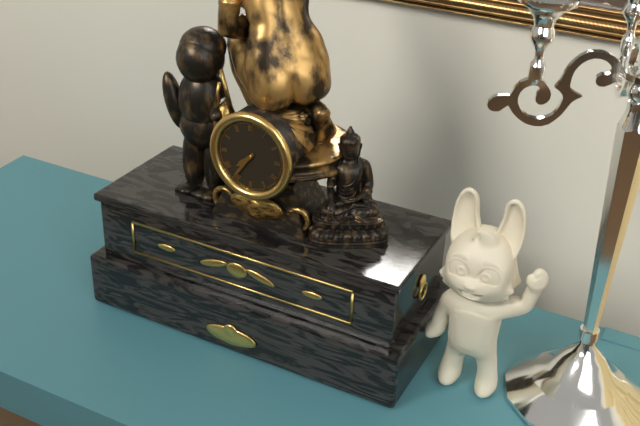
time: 7:36
